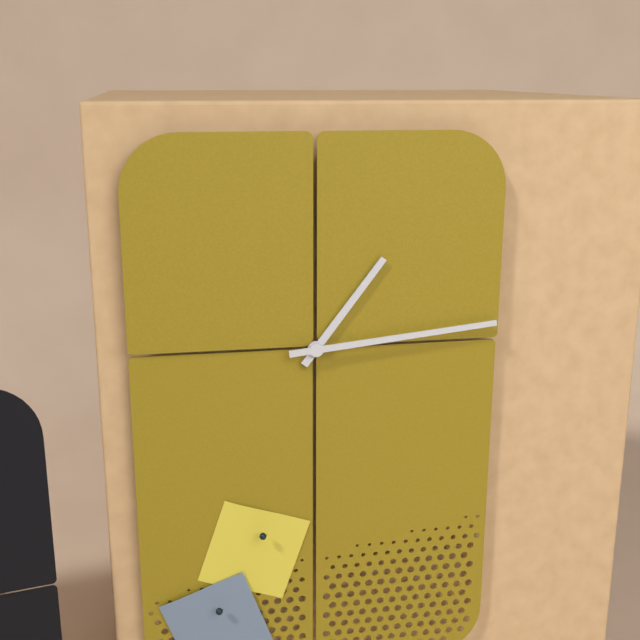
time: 1:14
